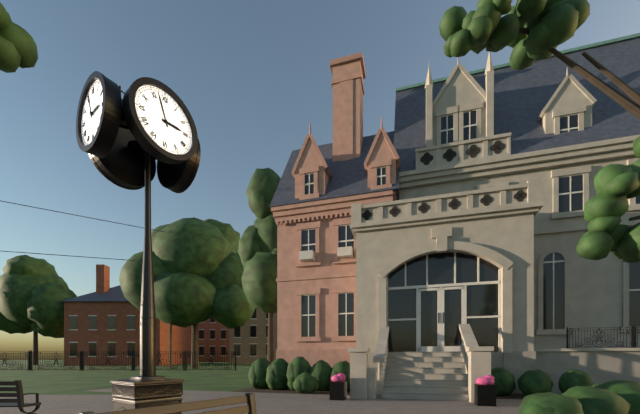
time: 2:57
